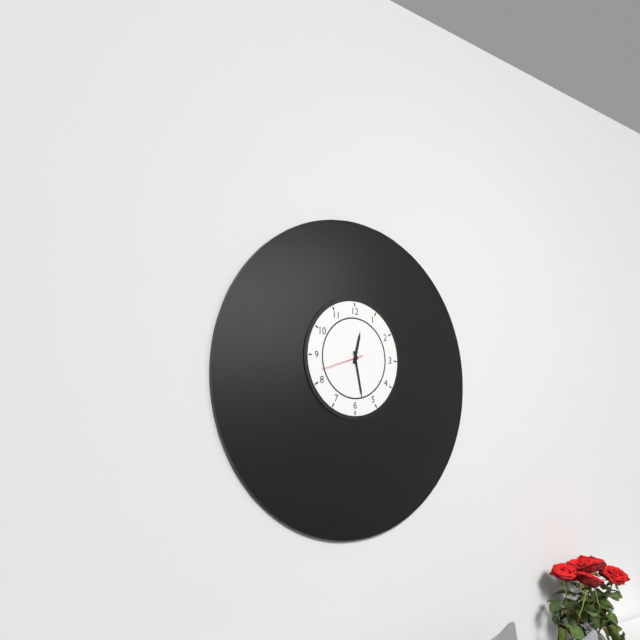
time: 12:28
